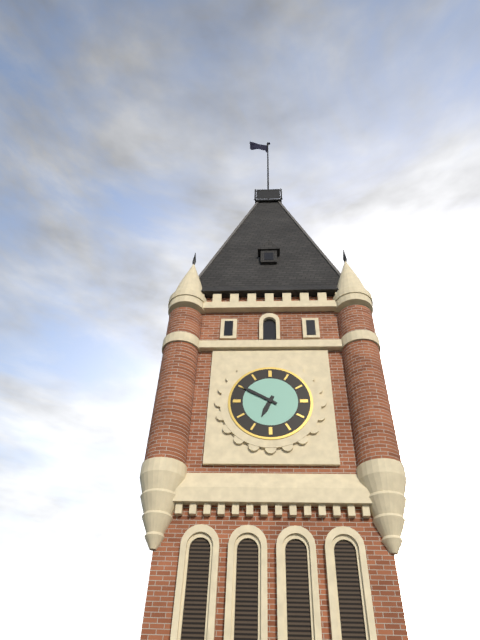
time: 6:50
